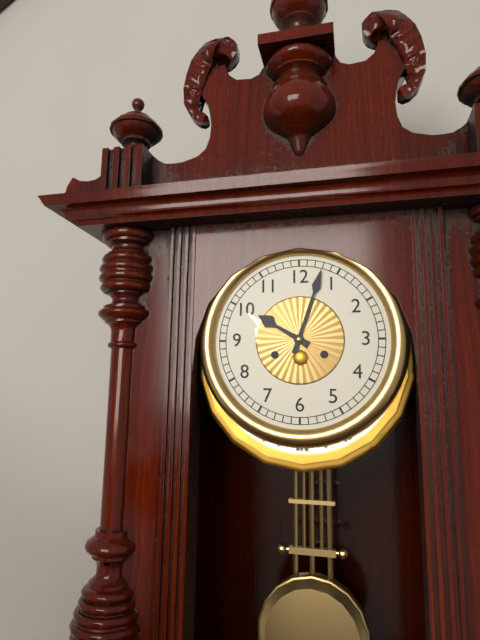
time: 10:03
